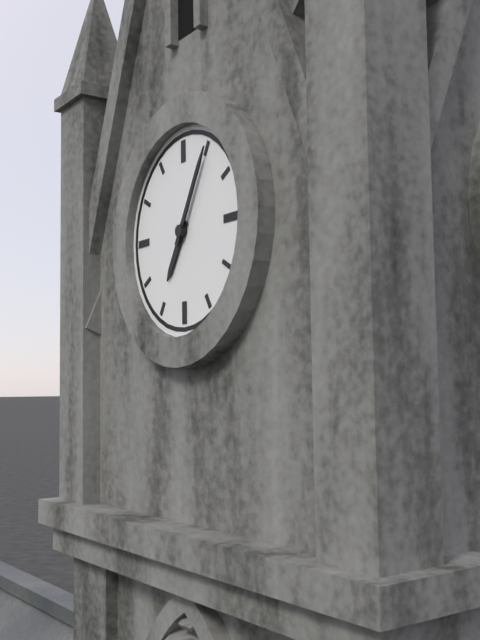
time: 7:05
